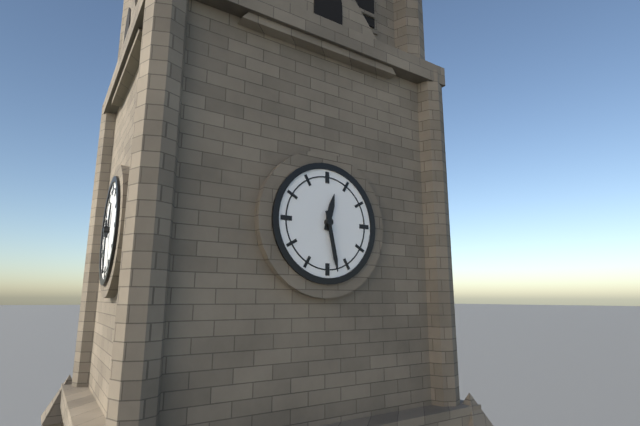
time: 12:28
